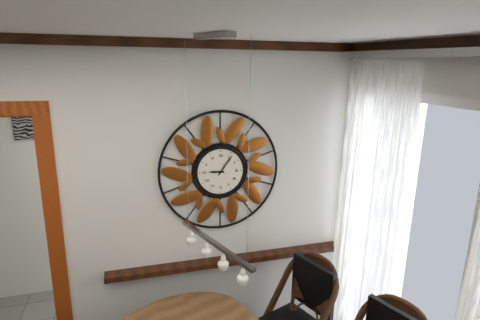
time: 9:06
